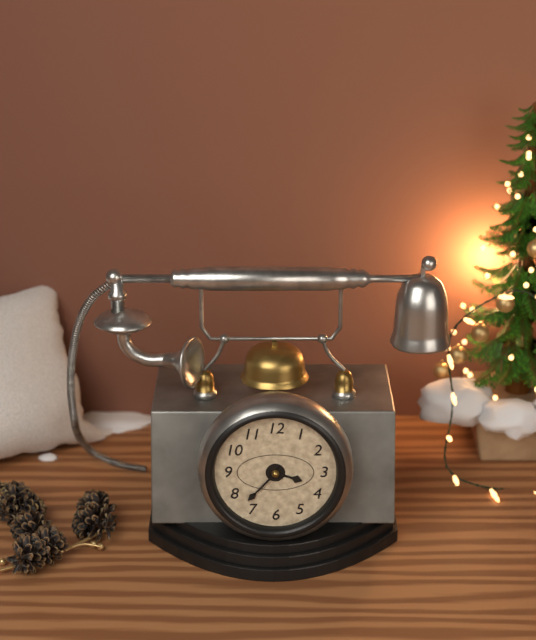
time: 3:37
